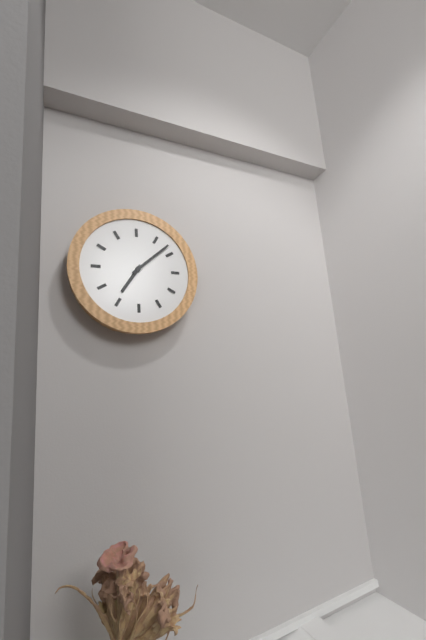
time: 7:08
